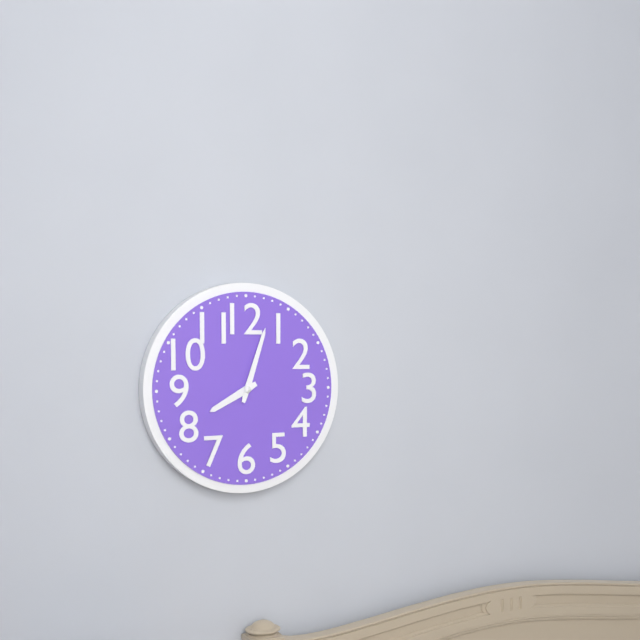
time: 8:03
